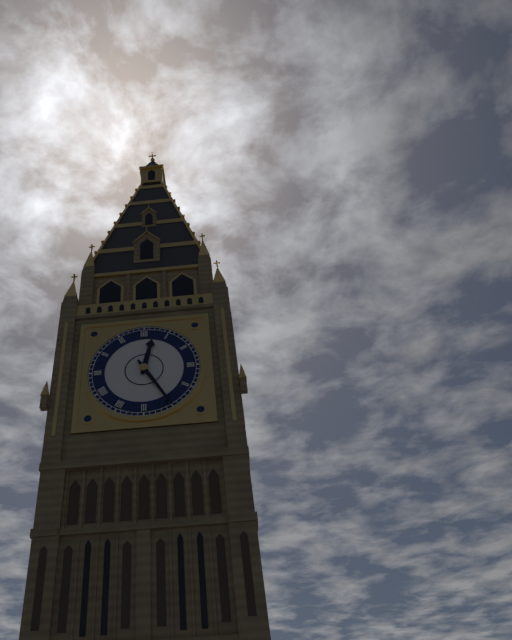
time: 12:25
